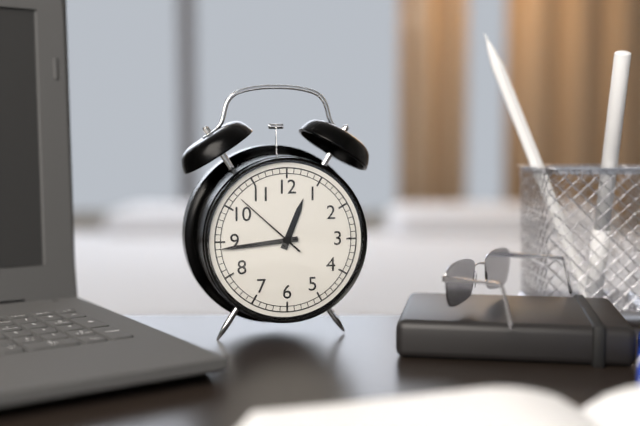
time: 12:44:52
